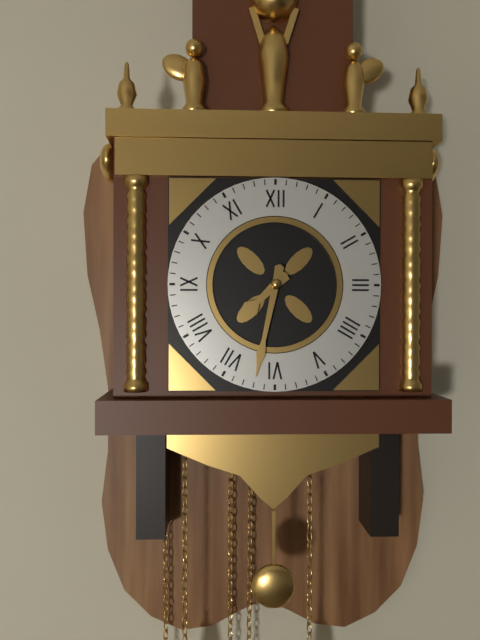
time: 7:32
